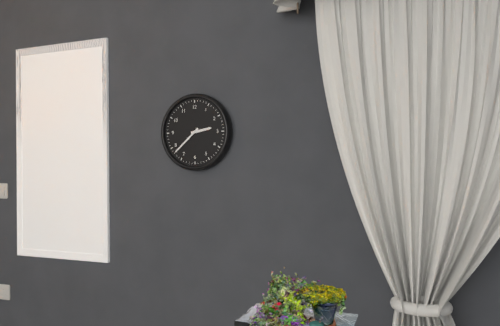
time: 2:38
